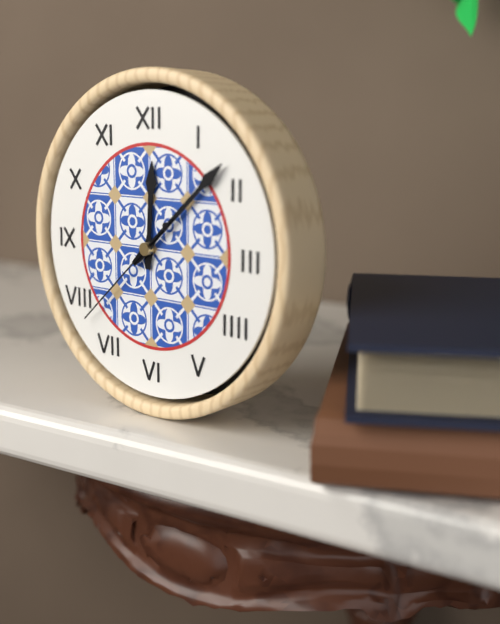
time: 12:08:38
